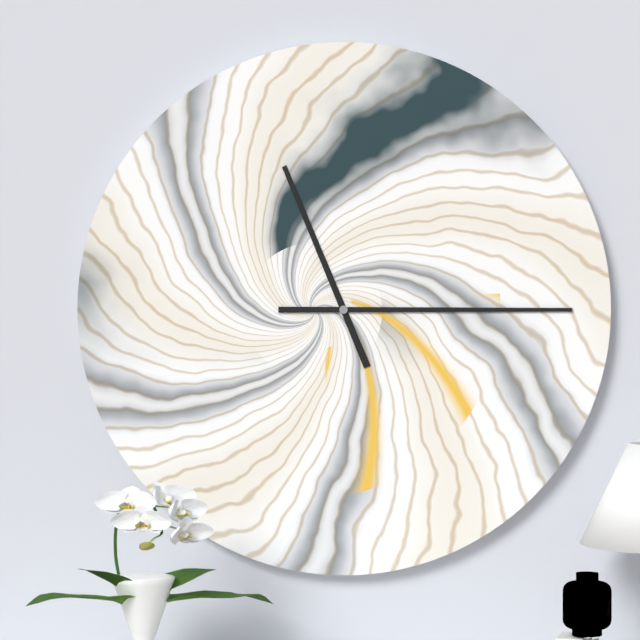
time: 11:15
